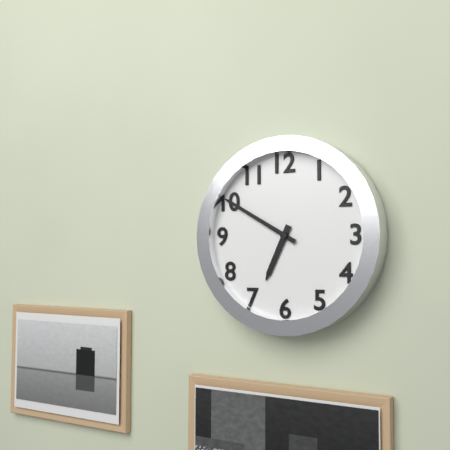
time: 6:50
